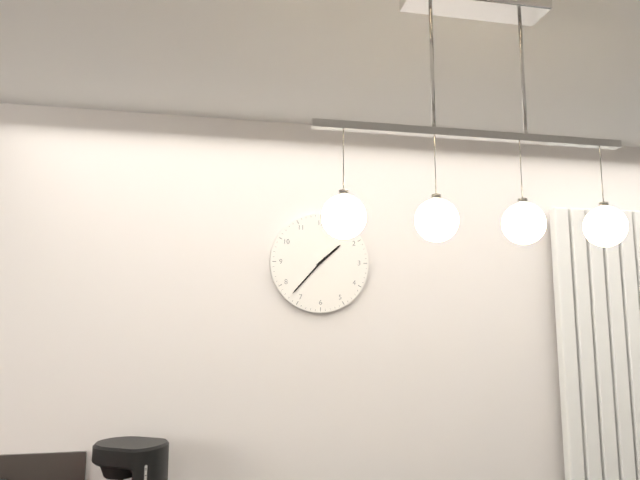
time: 1:37
